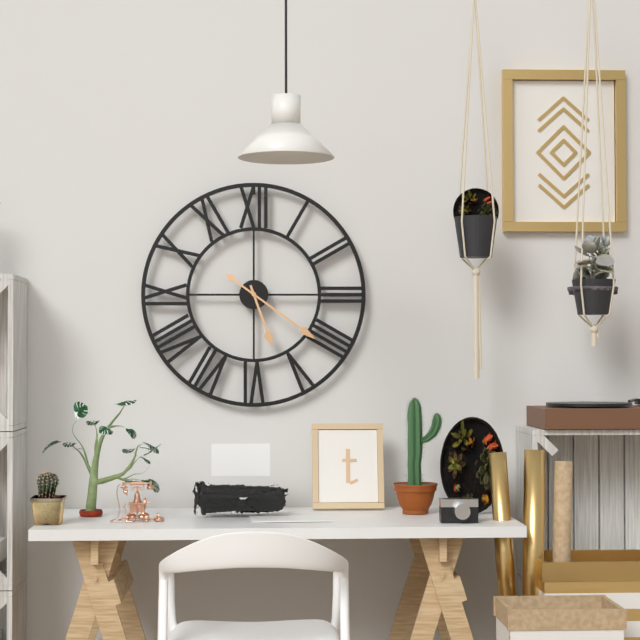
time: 5:21
